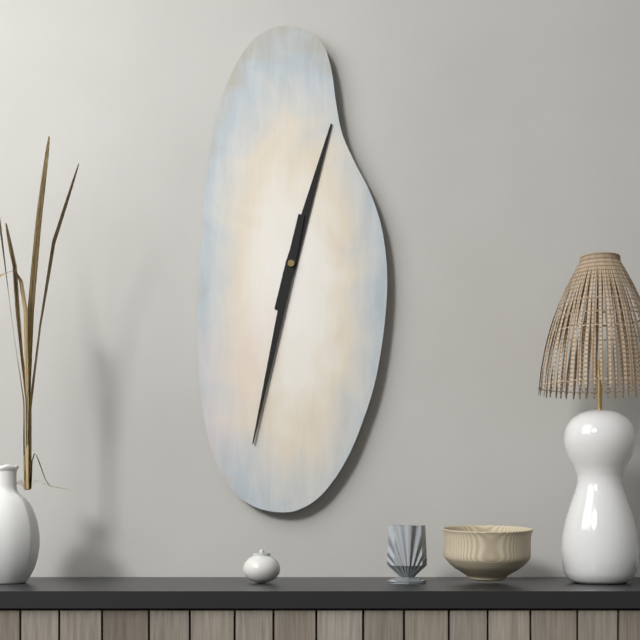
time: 12:32
